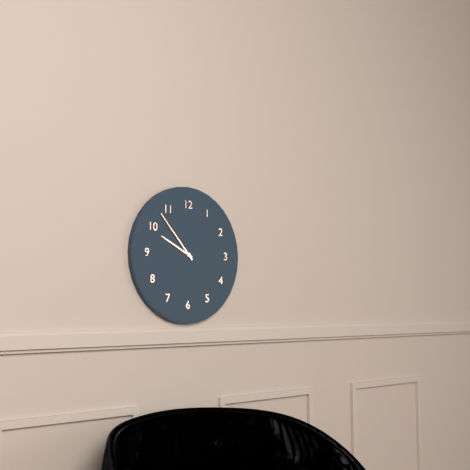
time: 9:53
